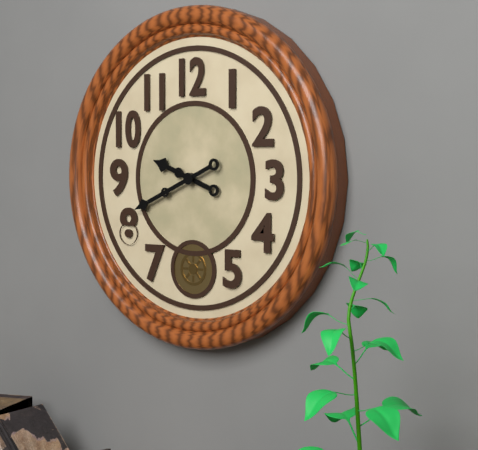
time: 9:41
